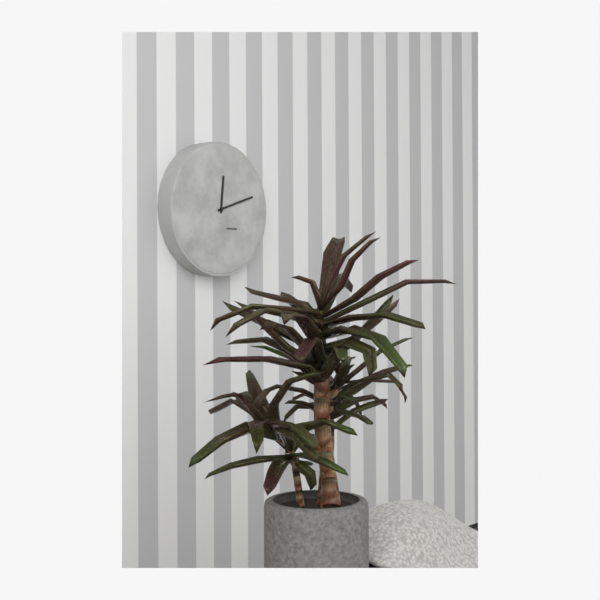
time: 12:12
